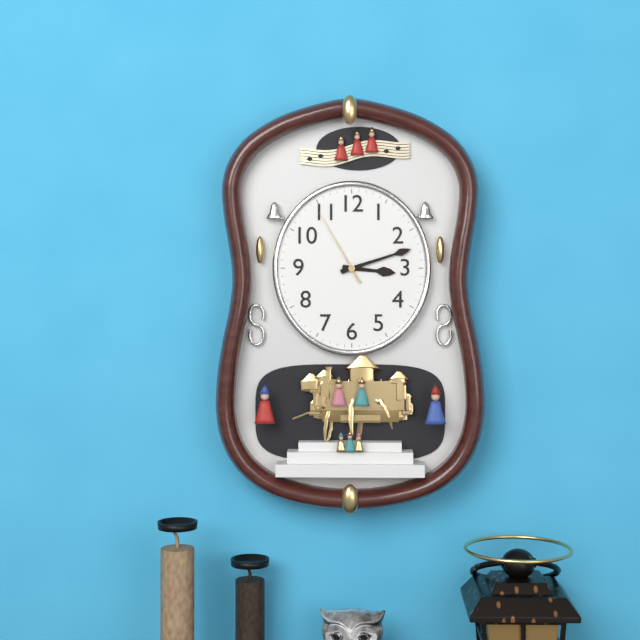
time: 3:12:55
